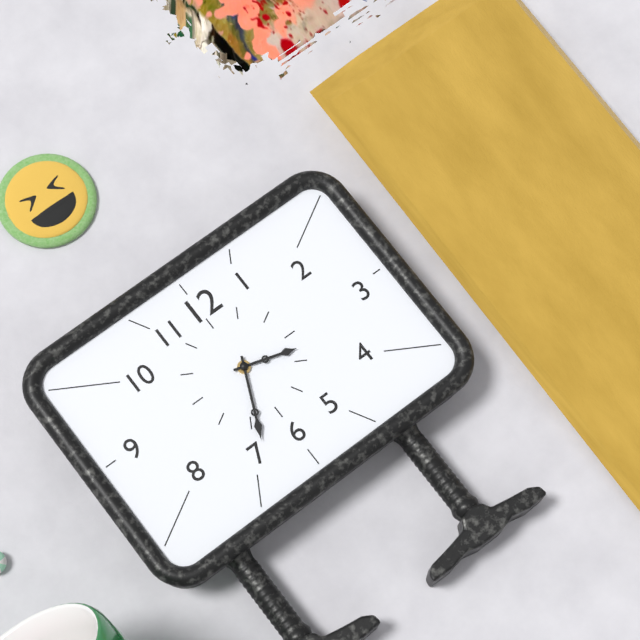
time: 3:34
